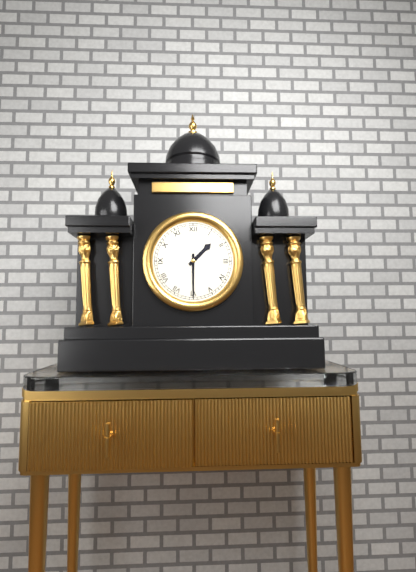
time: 1:30
